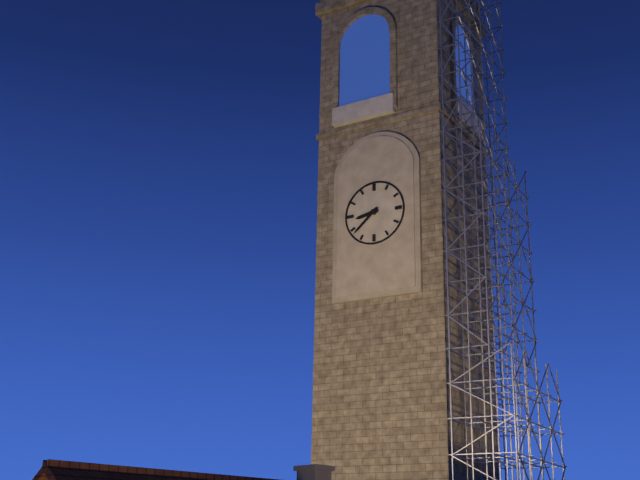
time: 8:38
